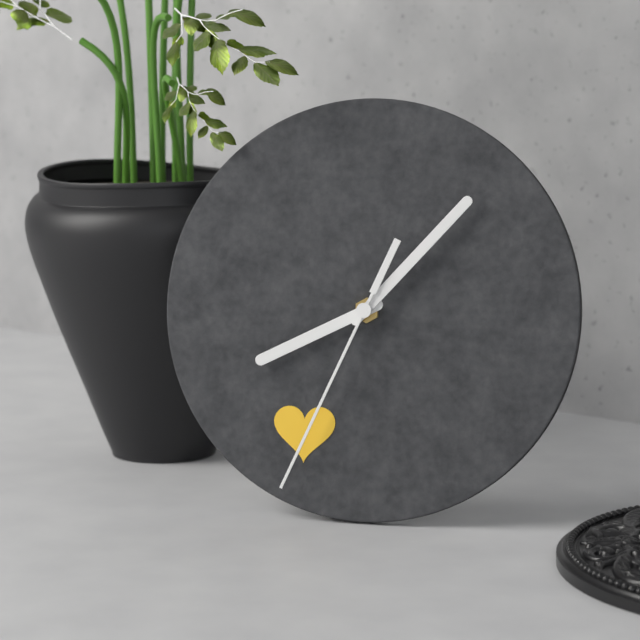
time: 8:07:34
